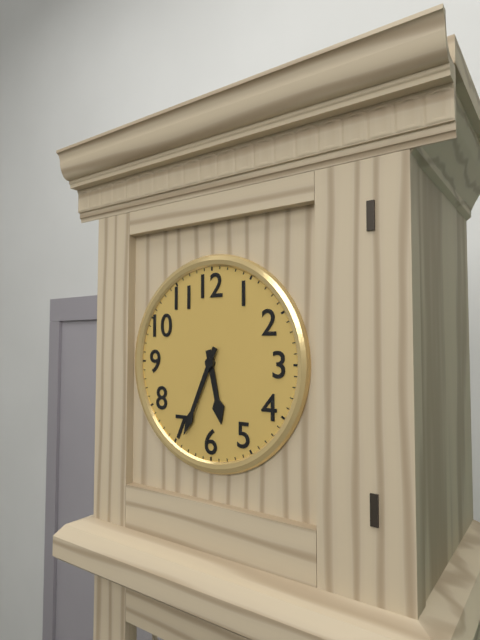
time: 5:34
